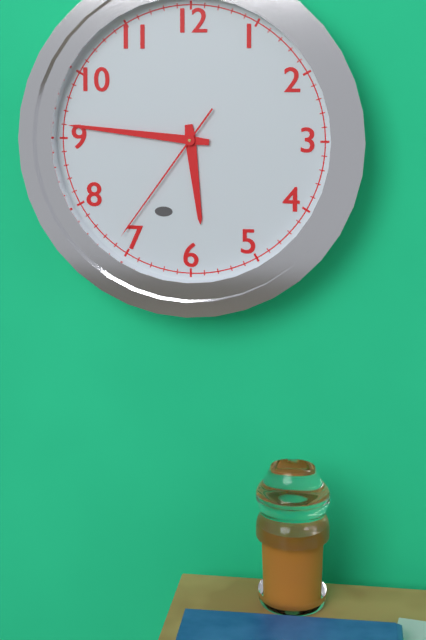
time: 5:46:36
